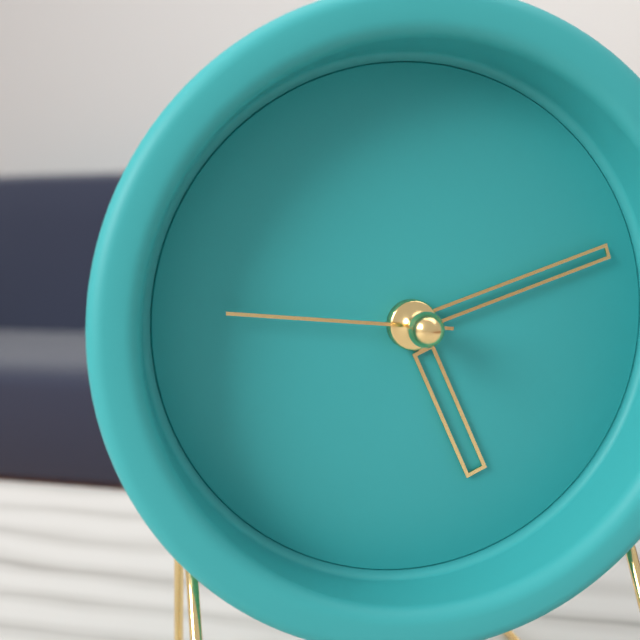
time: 5:12:46
